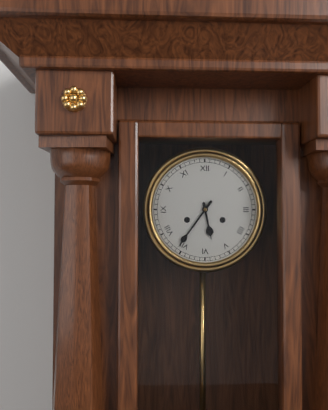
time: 5:36
